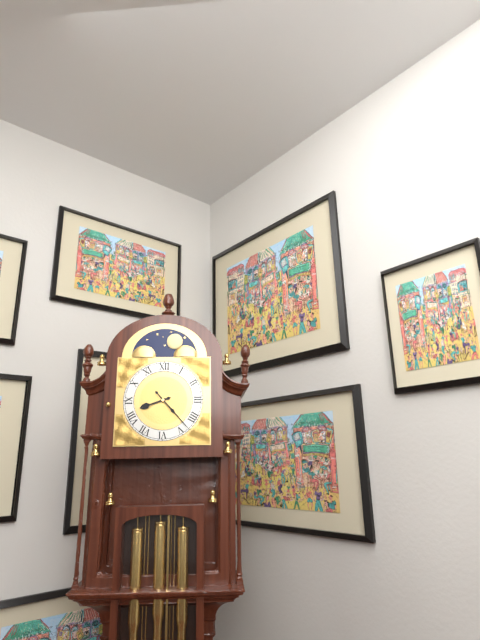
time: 8:23
